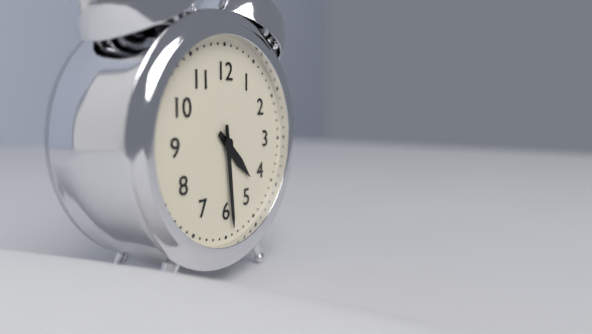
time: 4:29
